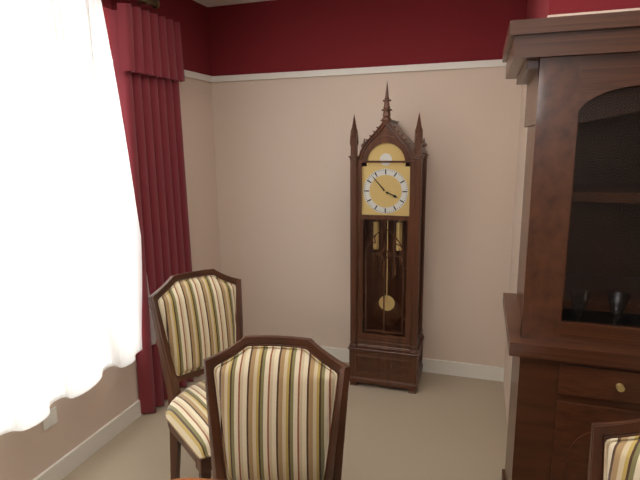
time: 3:53
